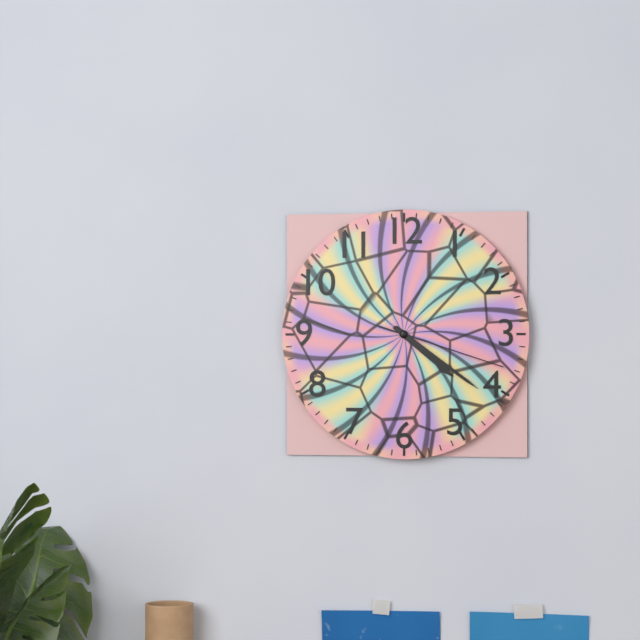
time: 4:21:18
